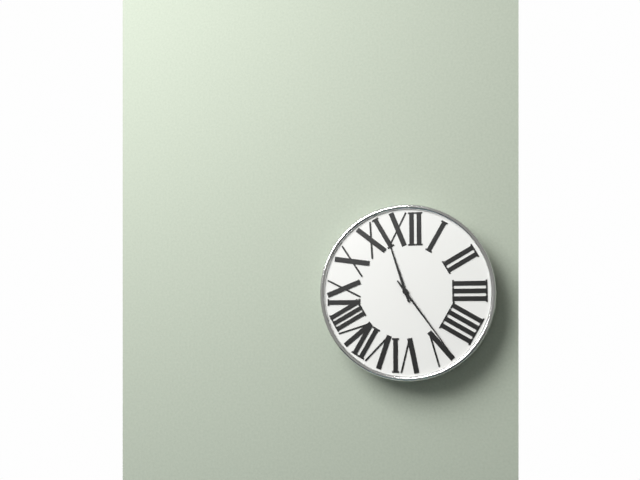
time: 11:24
